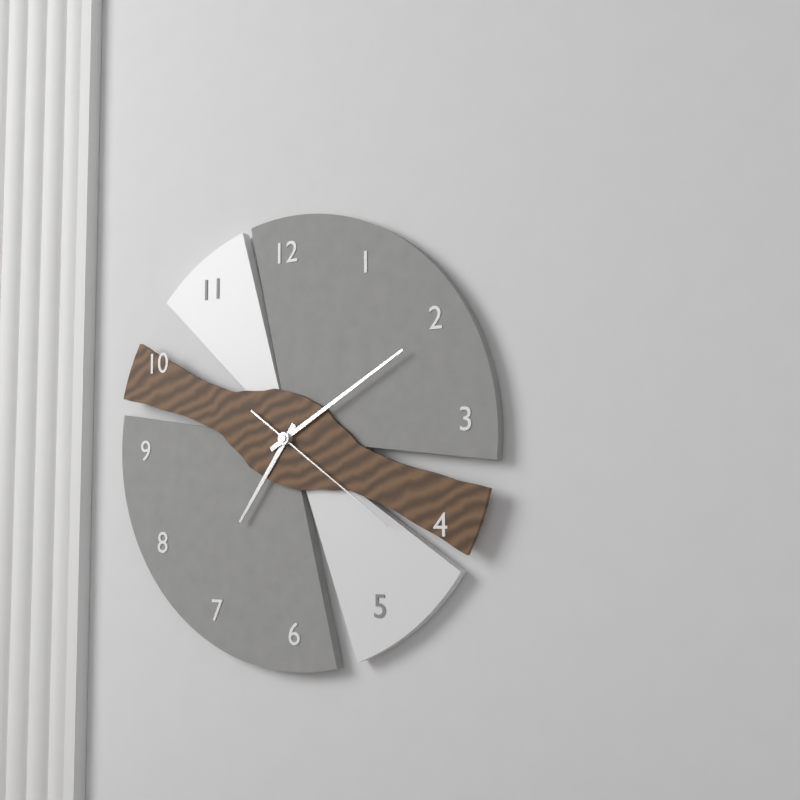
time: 7:10:21
